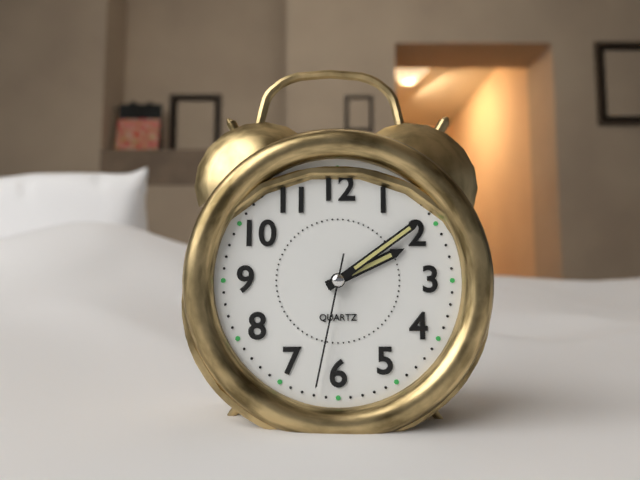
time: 2:09:32
